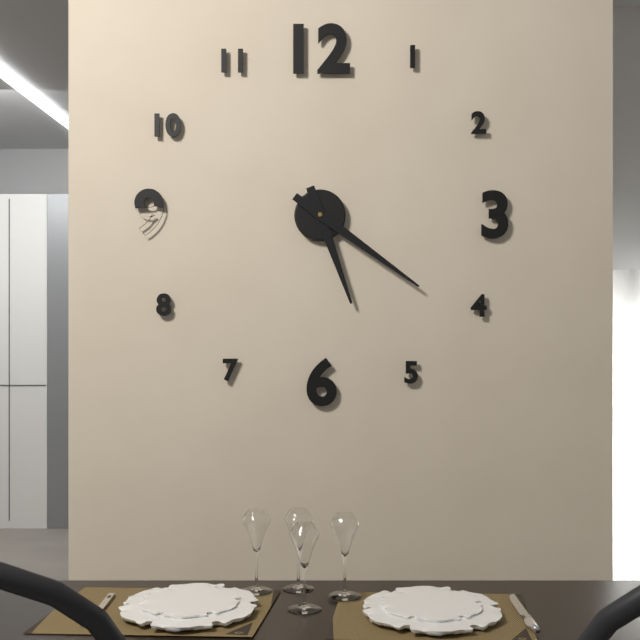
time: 5:21
